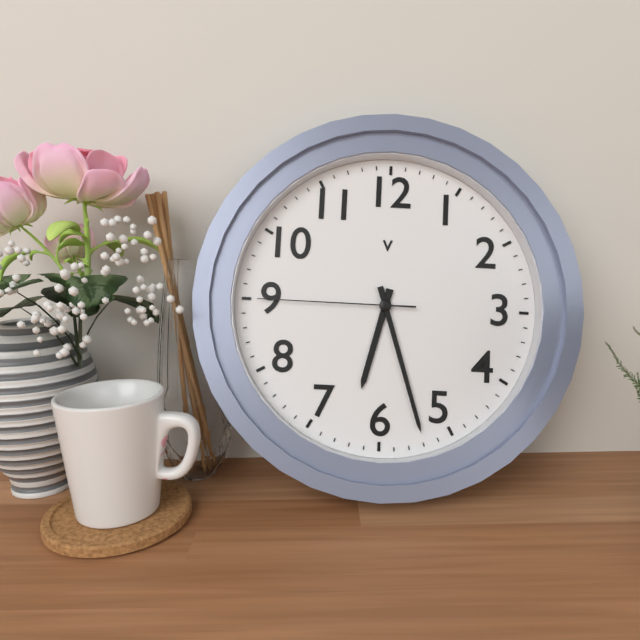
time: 6:27:45
